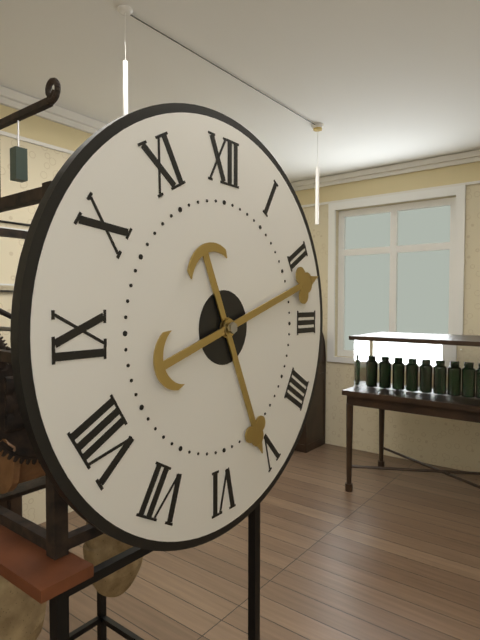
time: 5:12
